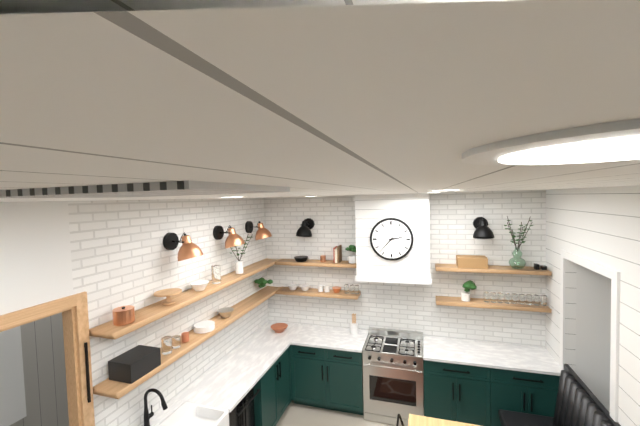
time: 2:37
